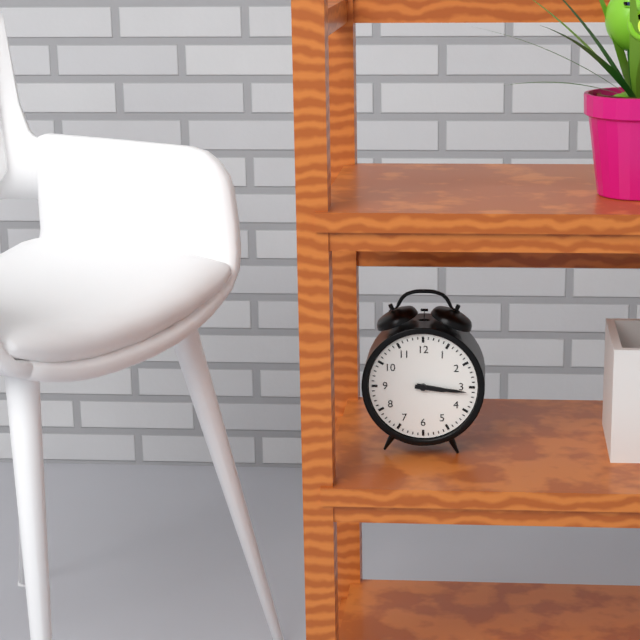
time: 3:16
